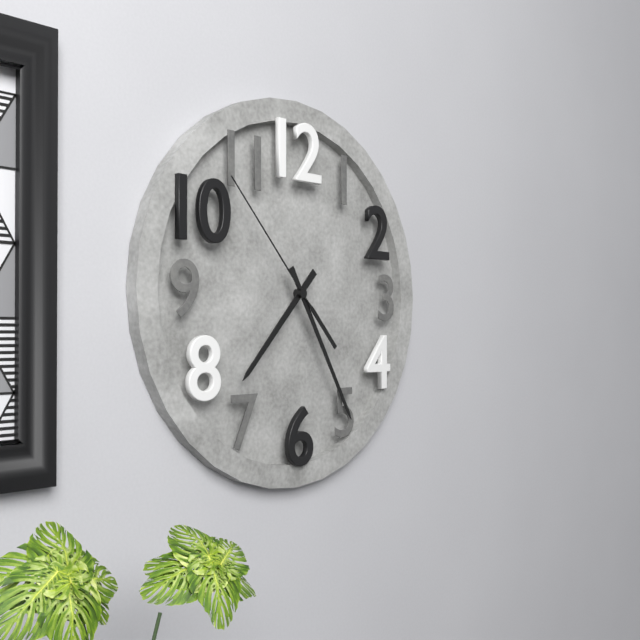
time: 7:25:53
